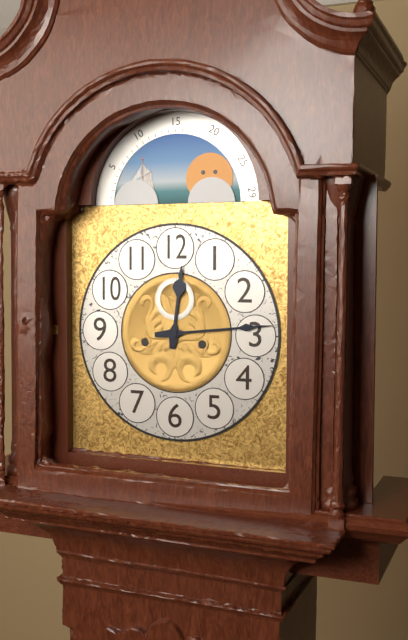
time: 12:14
